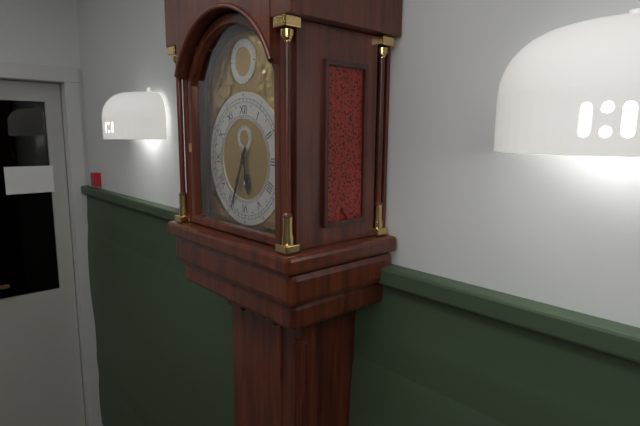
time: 5:34
